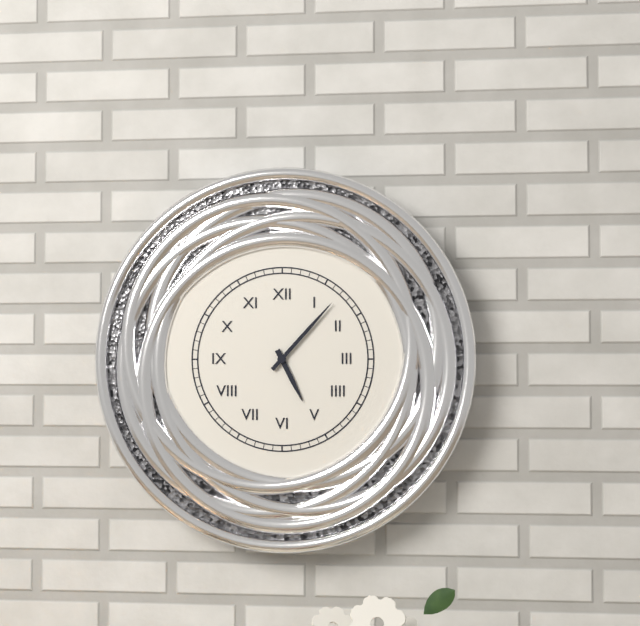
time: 5:07
